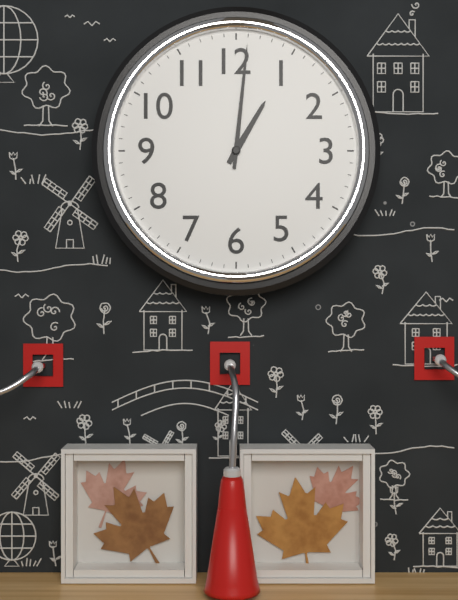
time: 1:01
